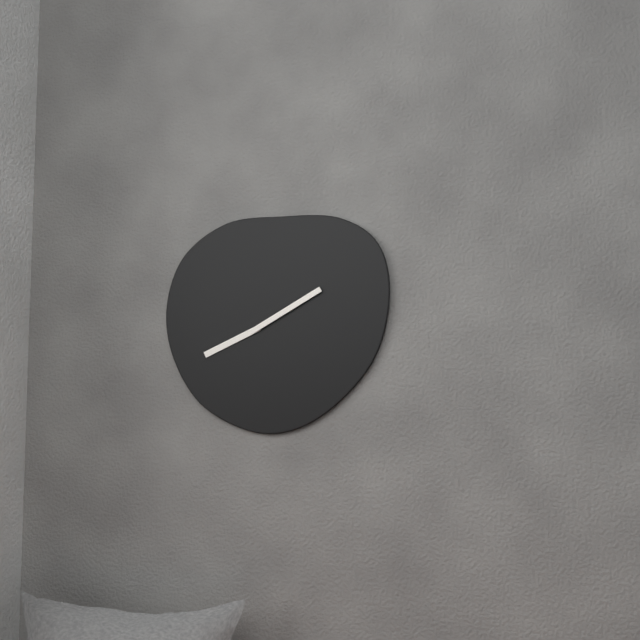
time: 8:10
